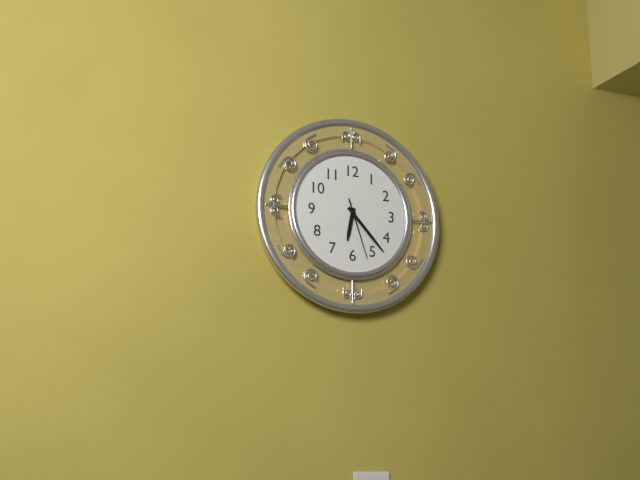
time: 6:23:27
